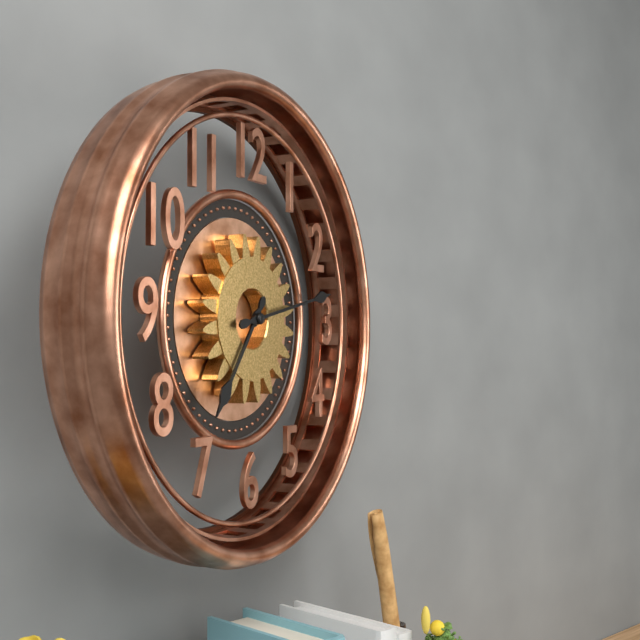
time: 7:13
